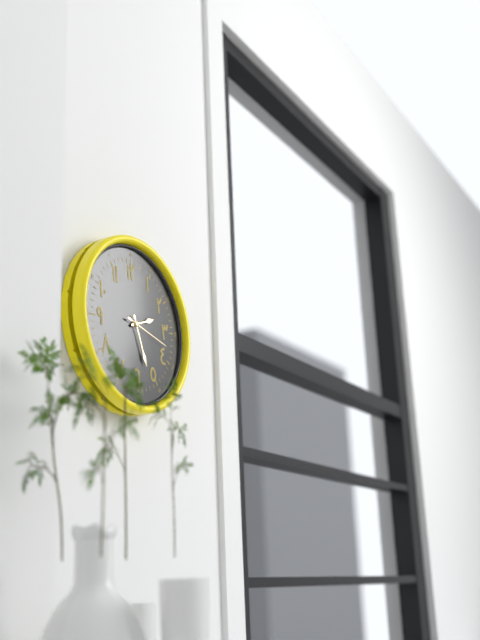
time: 2:27:18
